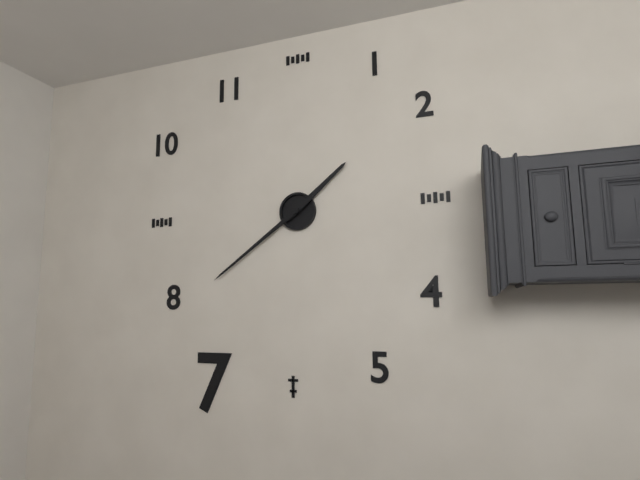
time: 1:39
